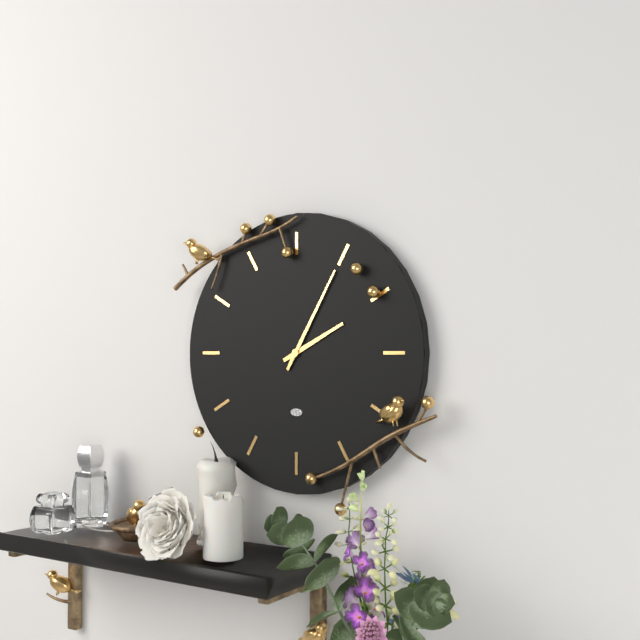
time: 2:05
